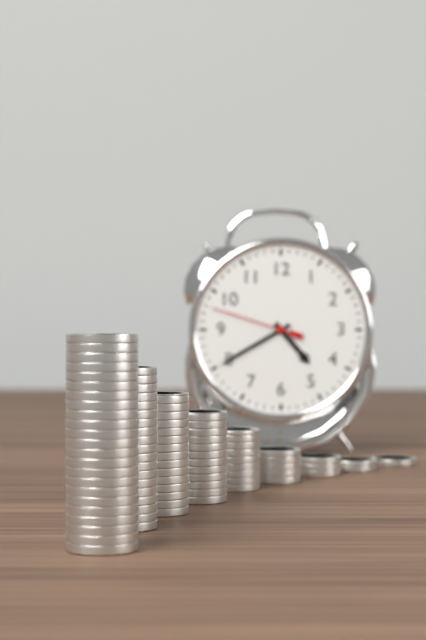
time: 4:40:48
